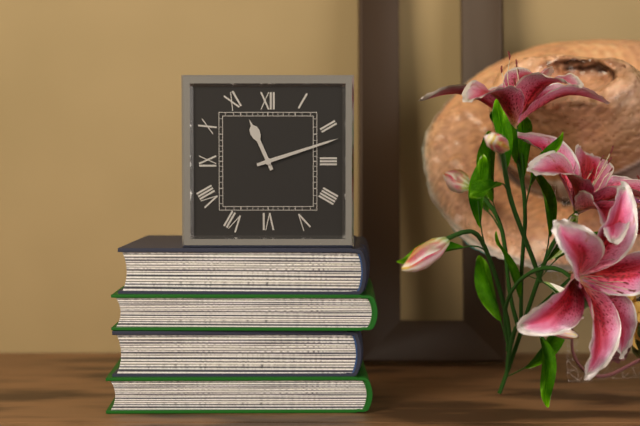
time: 11:12
